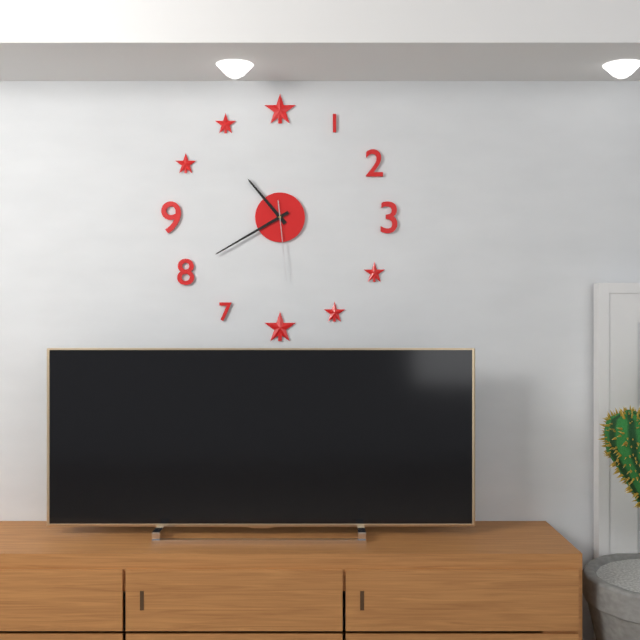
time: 10:40:29
